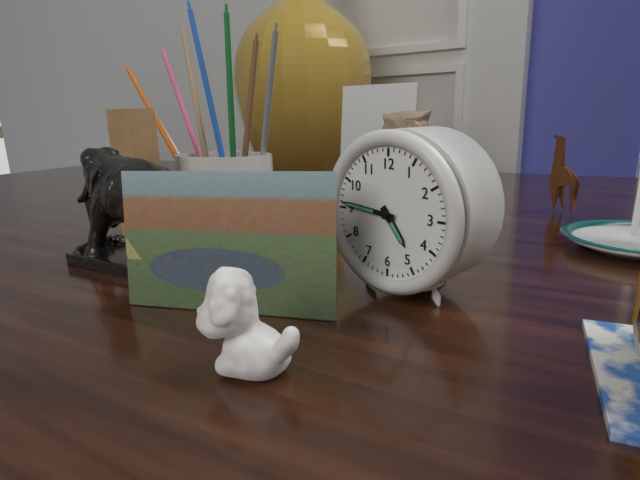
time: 4:46
